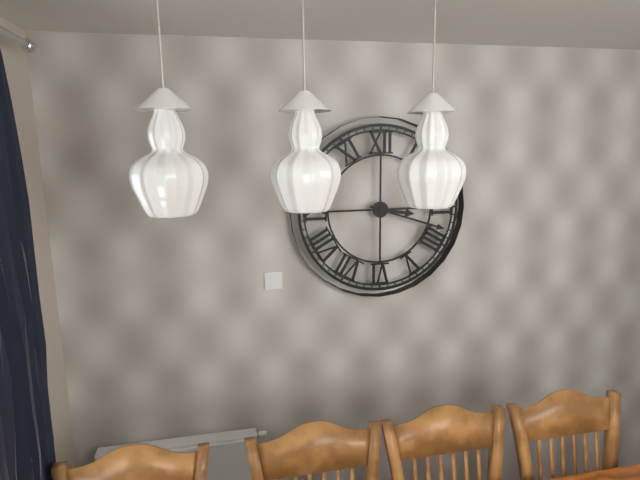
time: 3:18
